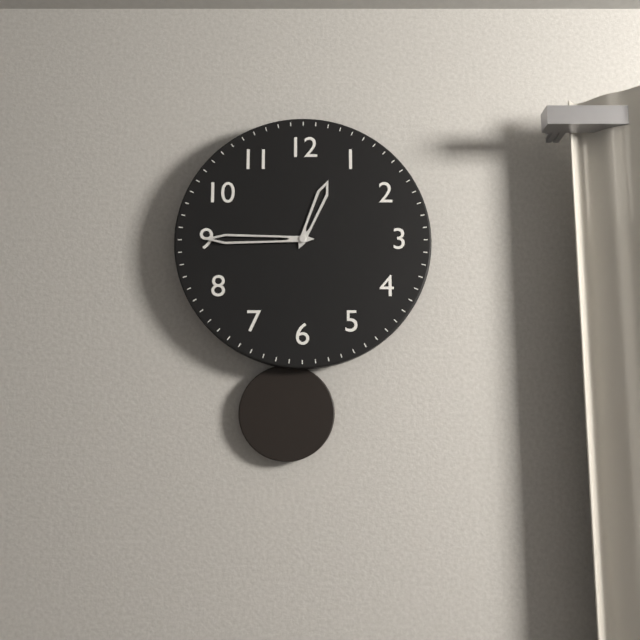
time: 12:45
